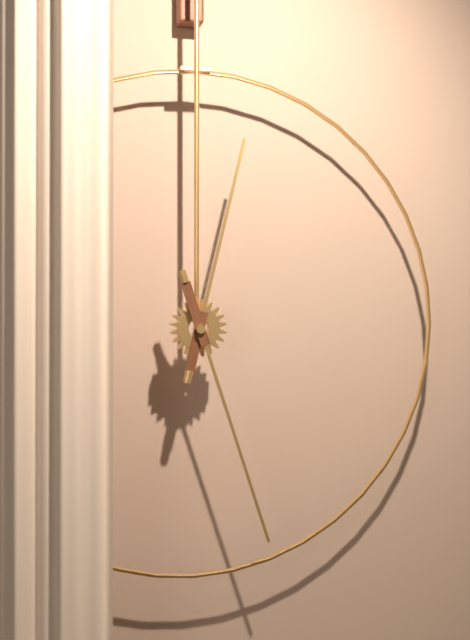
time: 12:27
